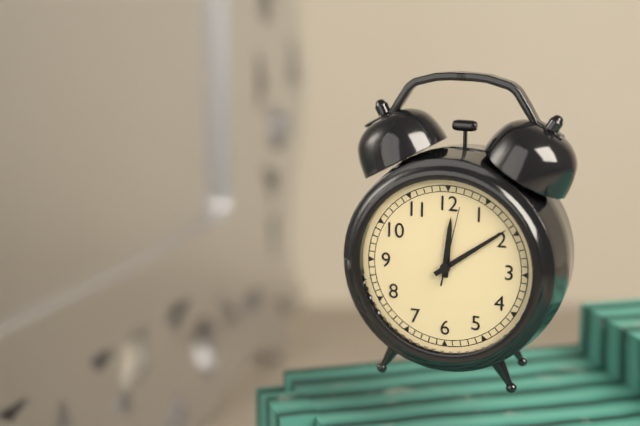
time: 12:09:02
